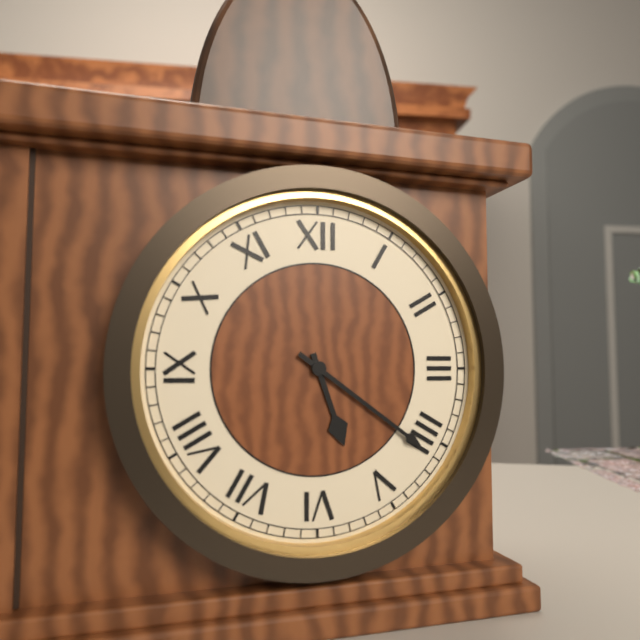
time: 5:21
